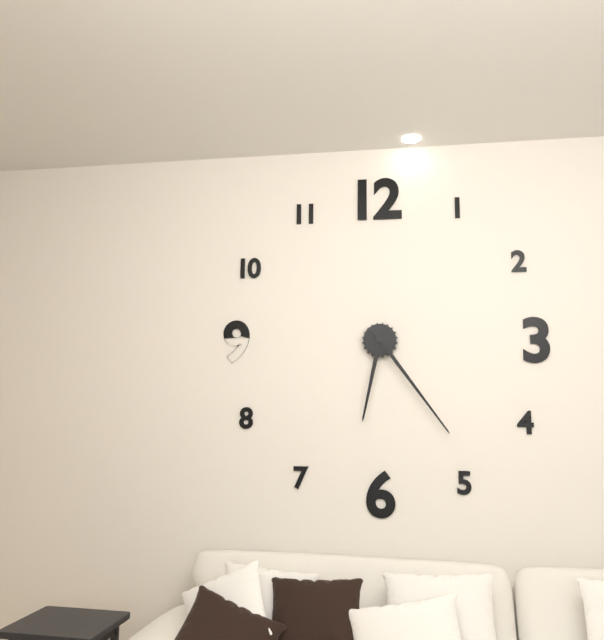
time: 6:24
